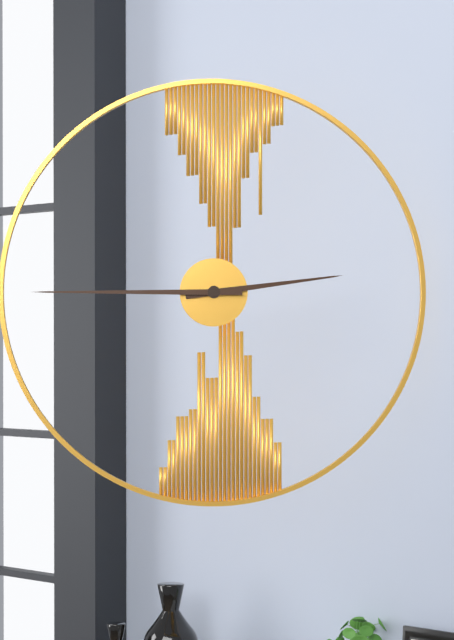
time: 2:45
